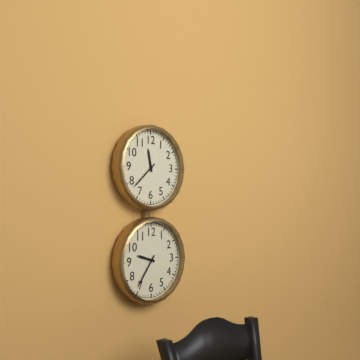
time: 11:38
